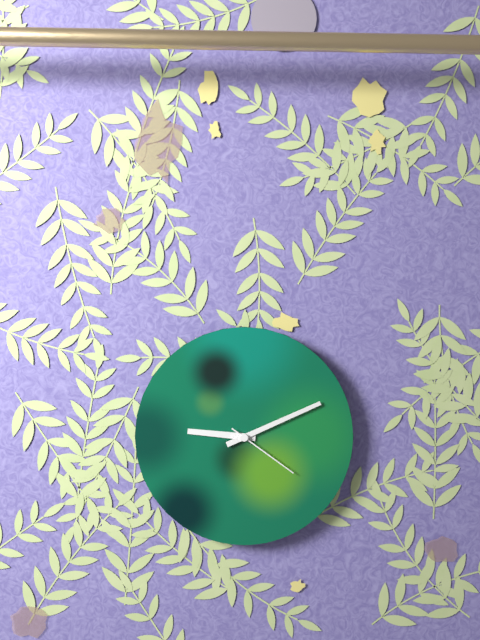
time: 9:11:21
